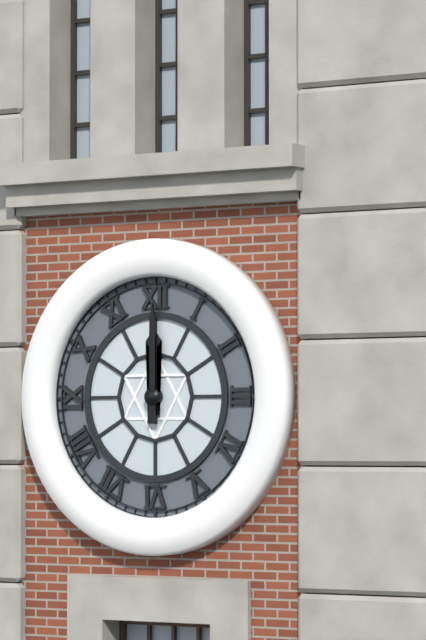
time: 12:00
